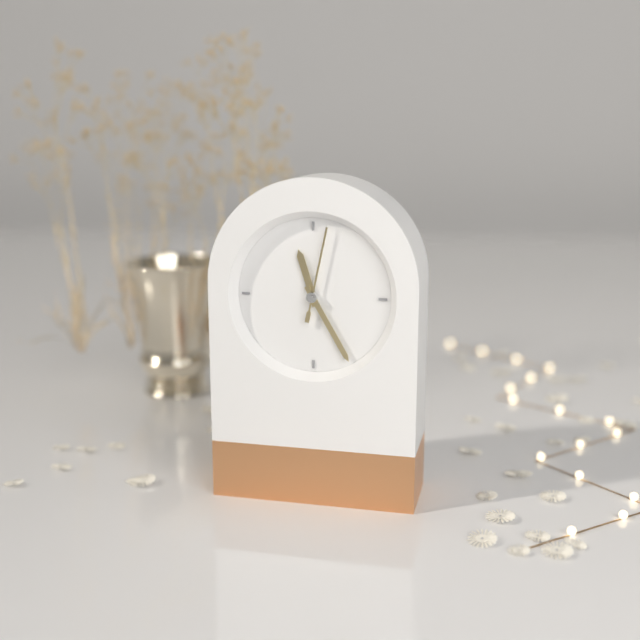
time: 11:25:02
